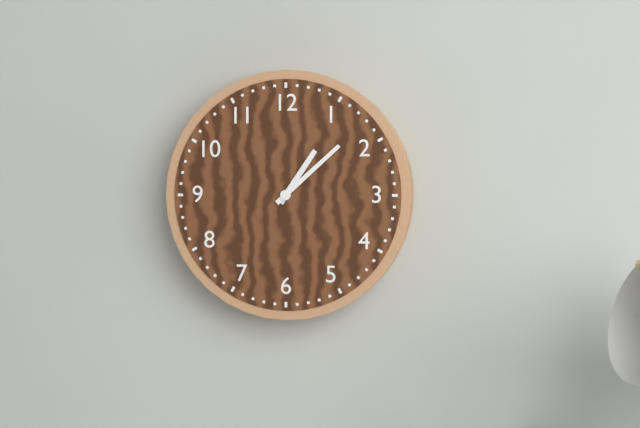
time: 1:08
